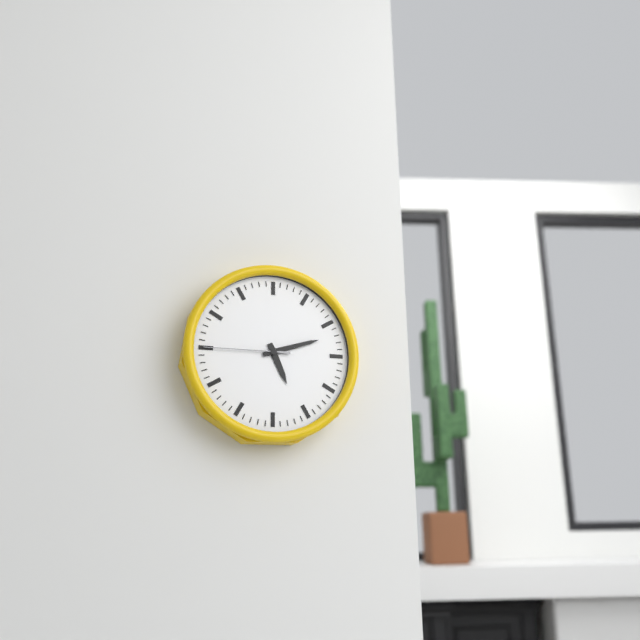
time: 5:12:45
